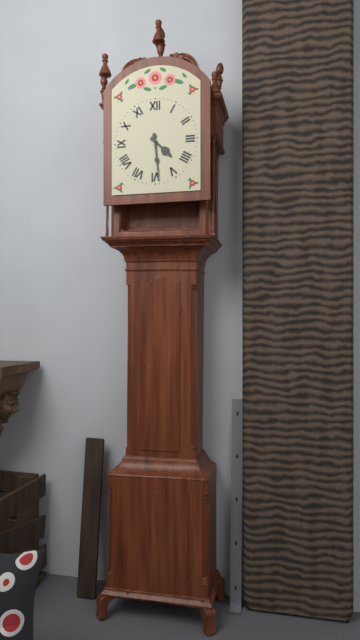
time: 4:29
